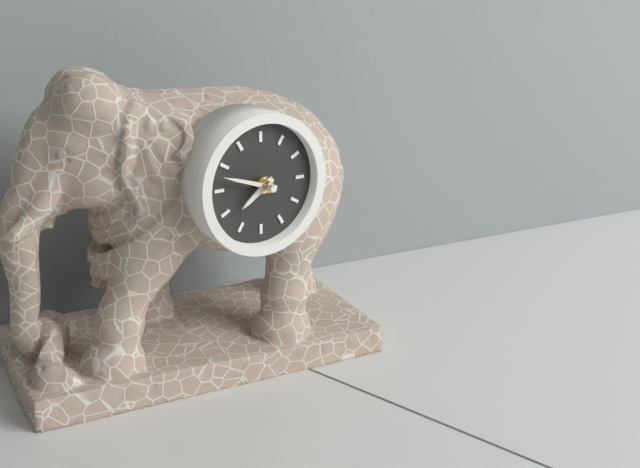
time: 7:48
